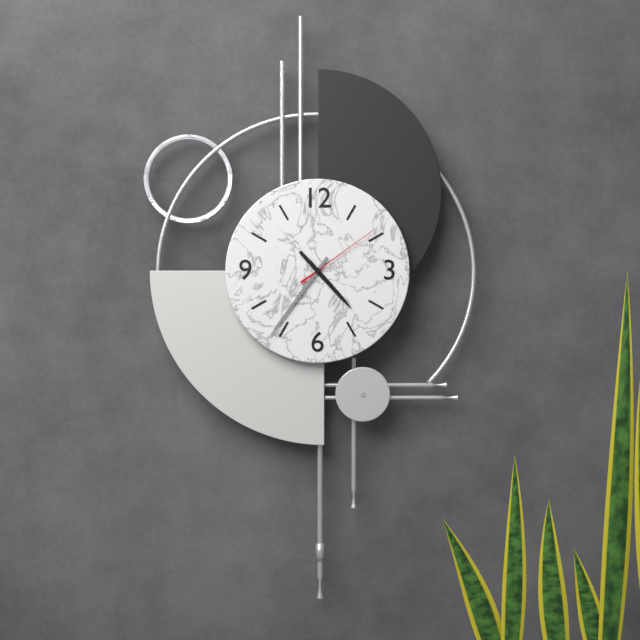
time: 4:36:09
